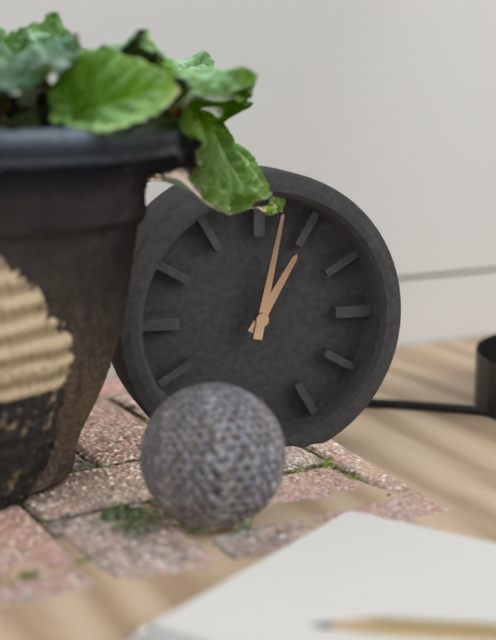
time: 1:02
